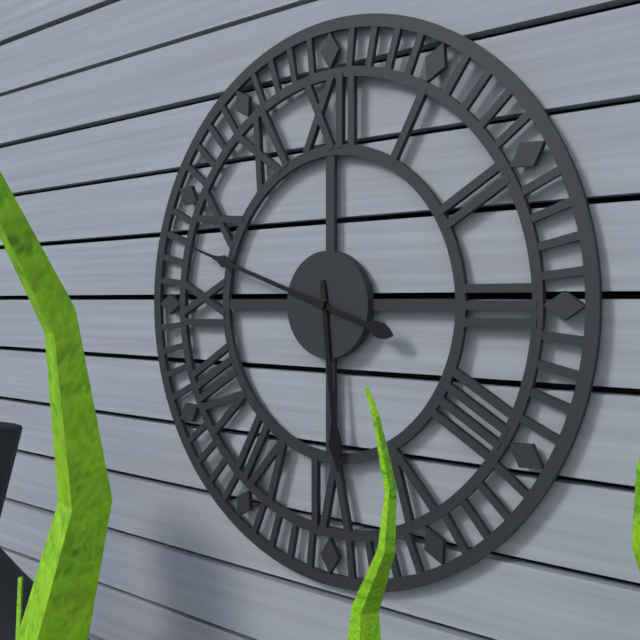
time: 5:48
